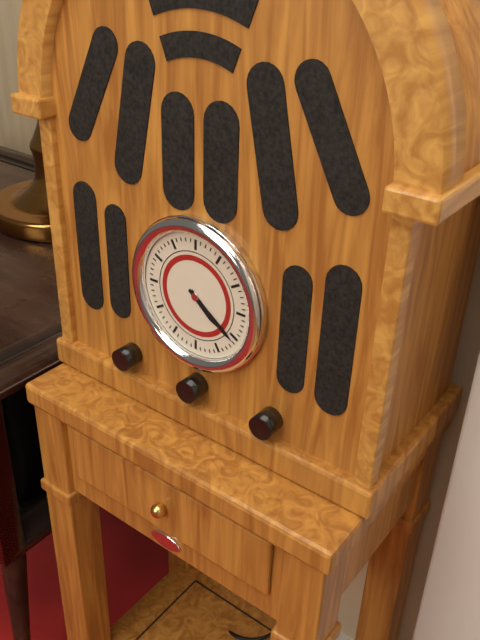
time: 4:21
